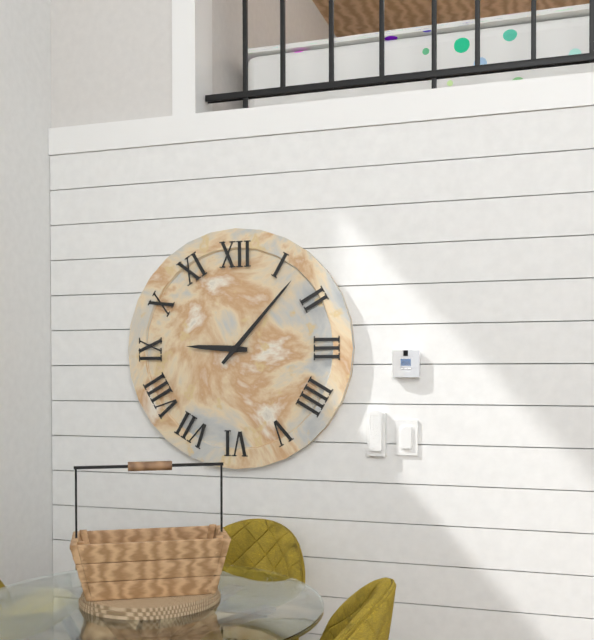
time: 9:07
